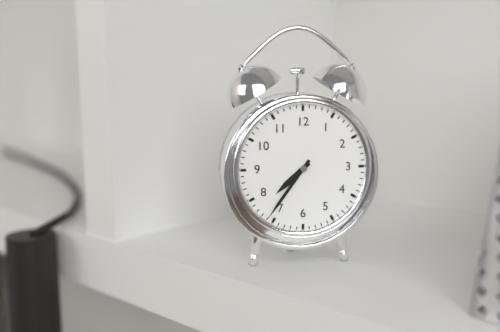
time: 7:36
